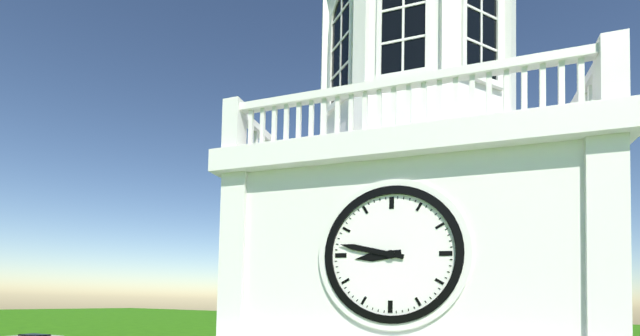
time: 8:47
